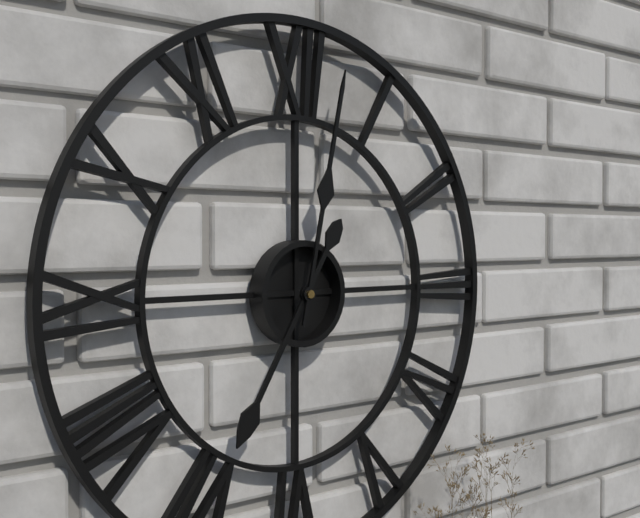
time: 7:02
